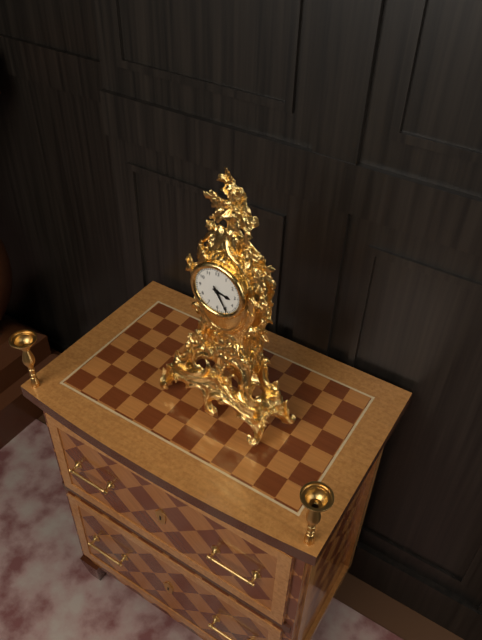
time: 3:25
